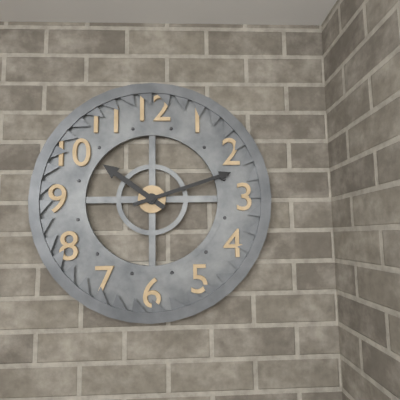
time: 10:12
